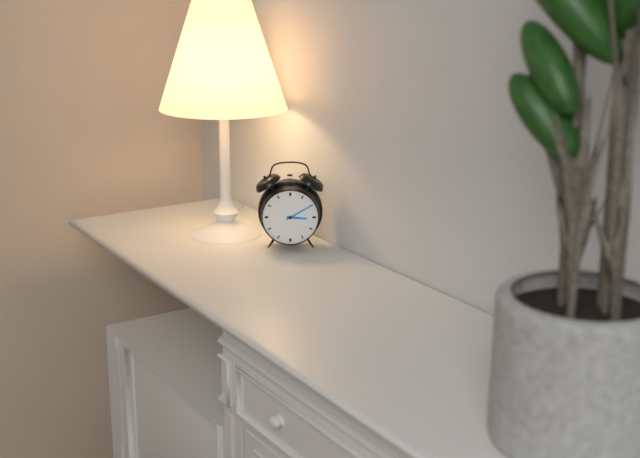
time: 3:10
